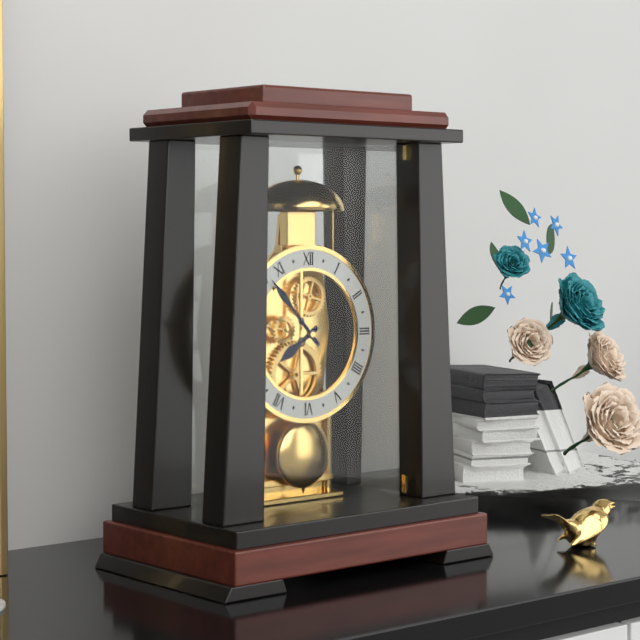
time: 7:53
